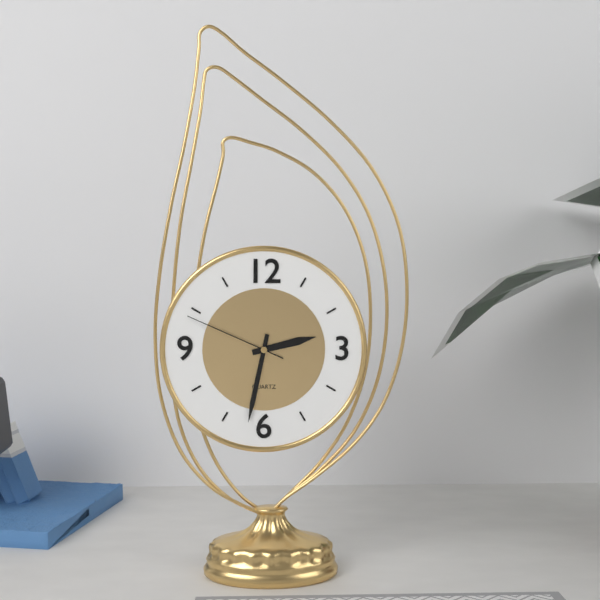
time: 2:32:49
